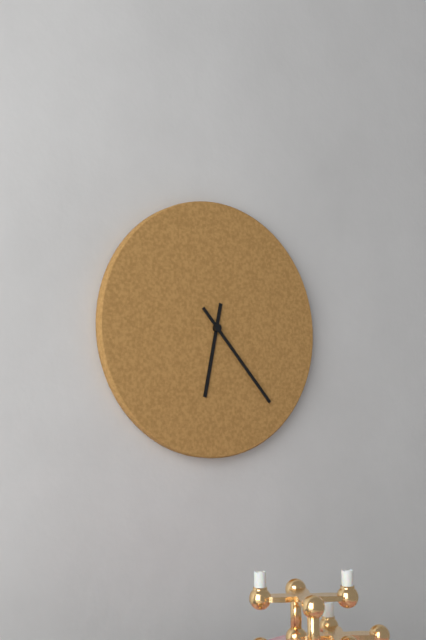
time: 6:23
